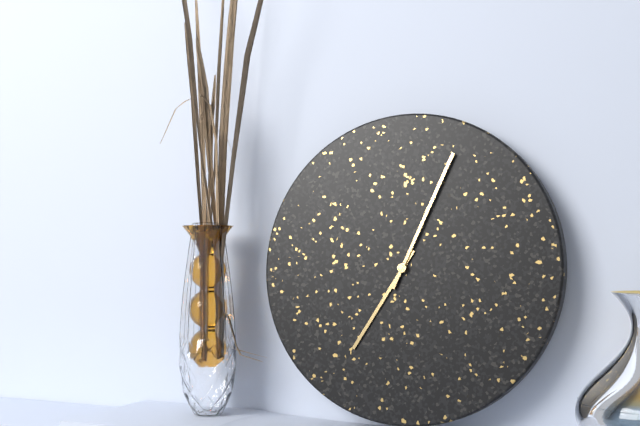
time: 7:04
